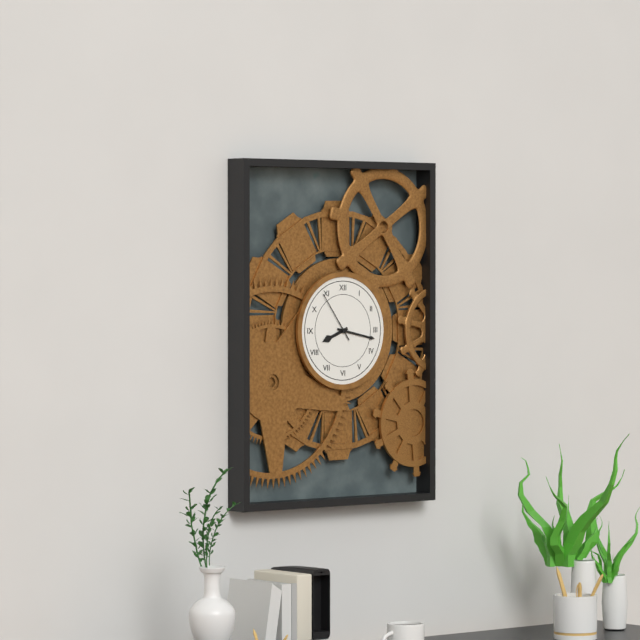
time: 8:17:54
